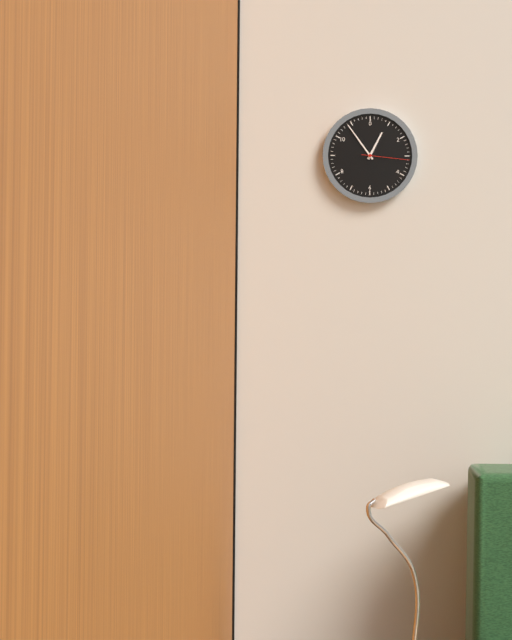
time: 12:54
